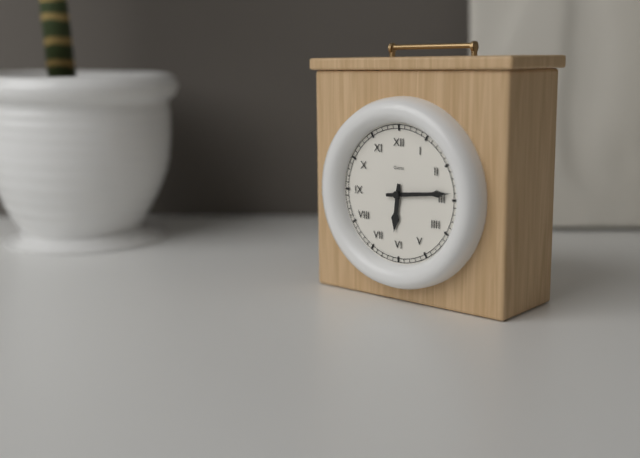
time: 6:14
